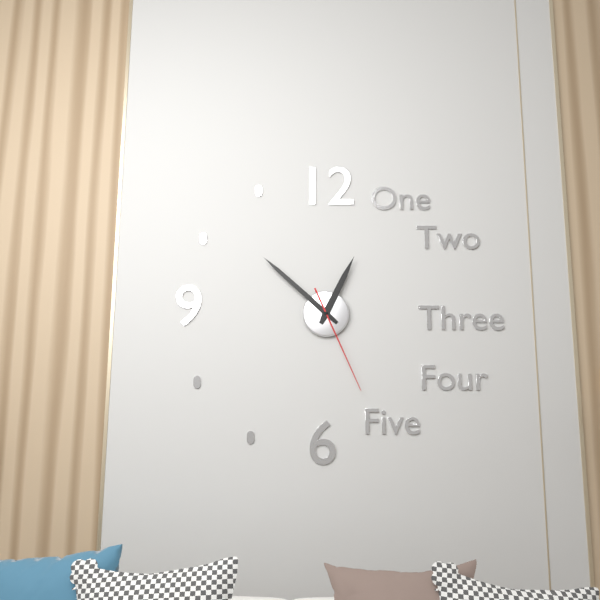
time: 12:52:26
